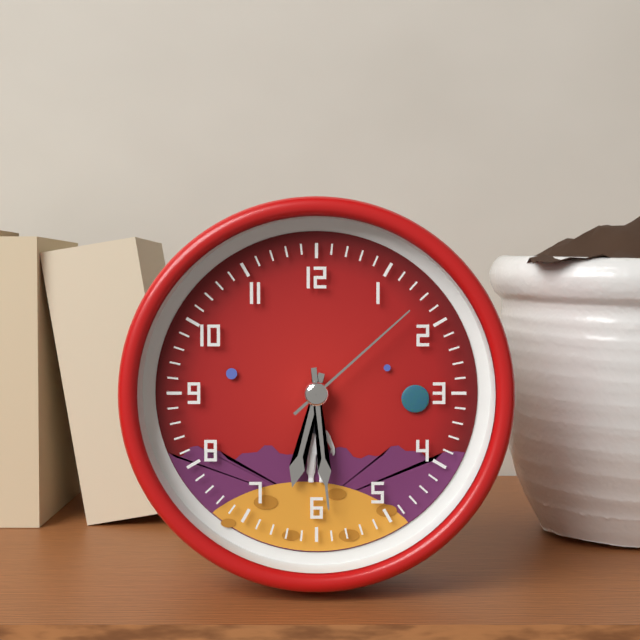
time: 6:29:08
